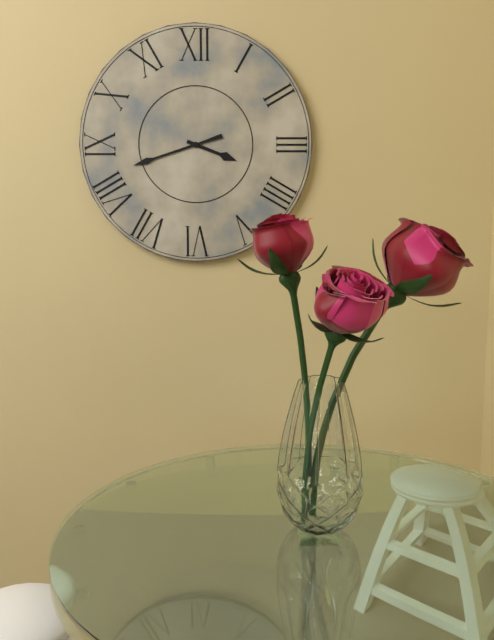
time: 3:42
